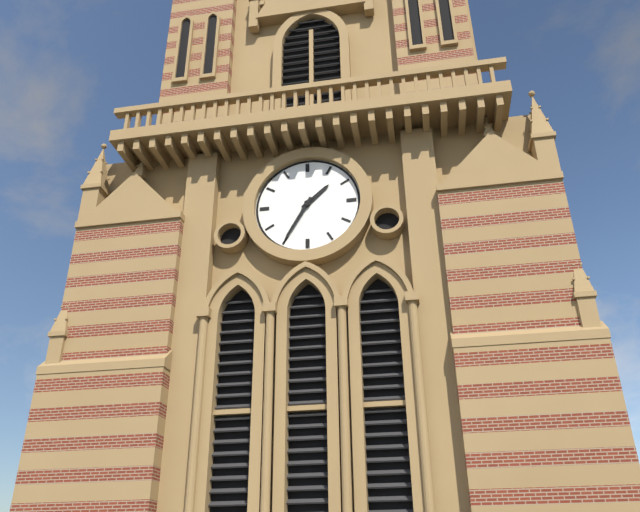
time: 1:35
